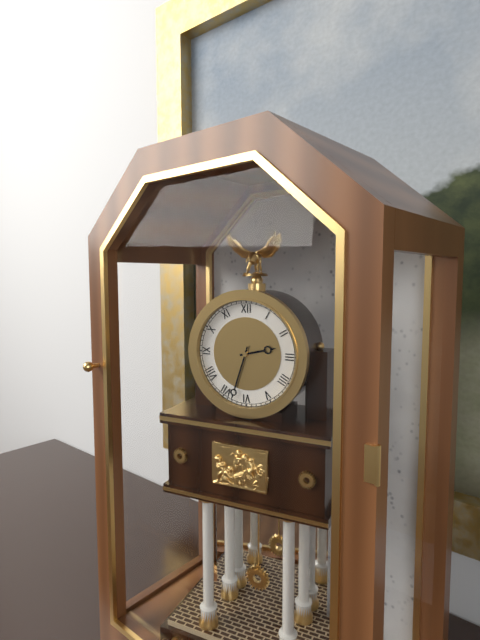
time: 2:33
